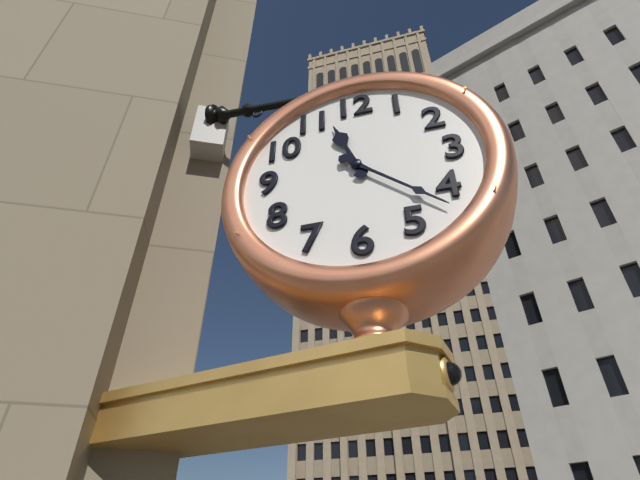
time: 11:22
